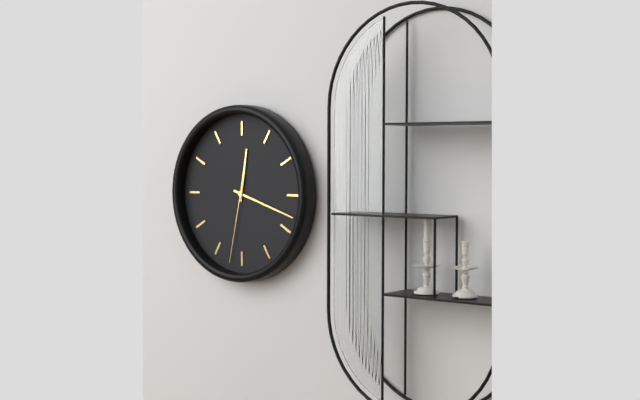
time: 12:18:32
